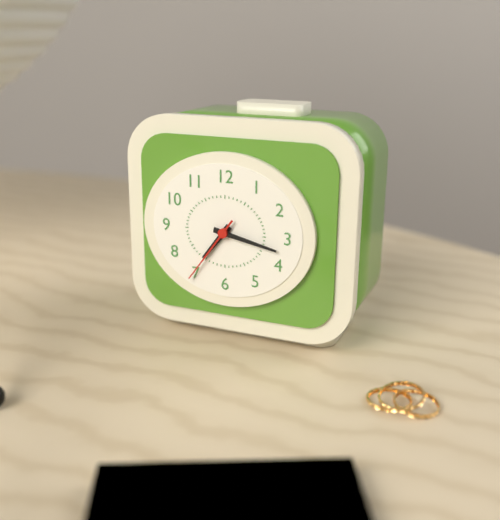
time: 7:17:36
